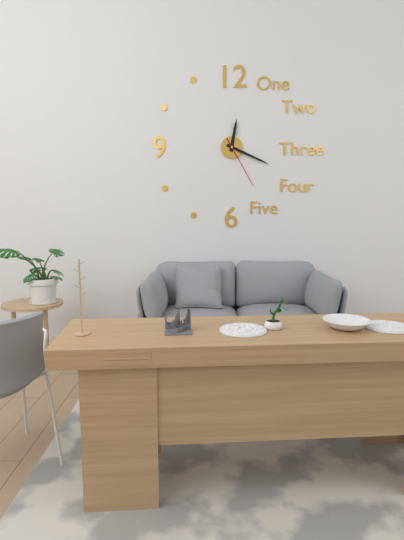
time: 12:19:25
